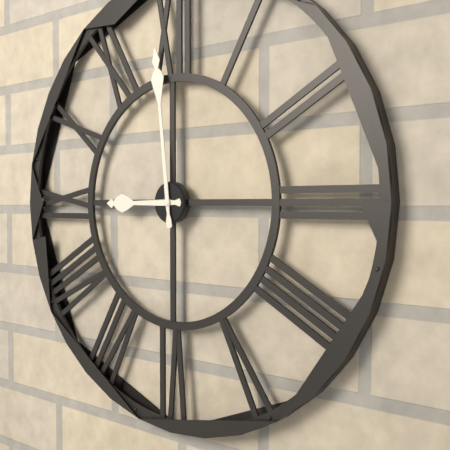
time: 8:59
